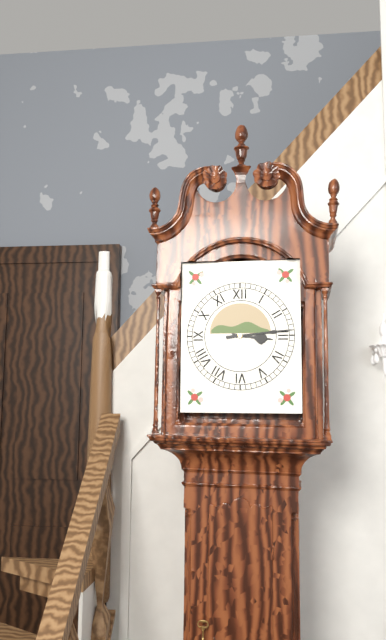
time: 3:14
